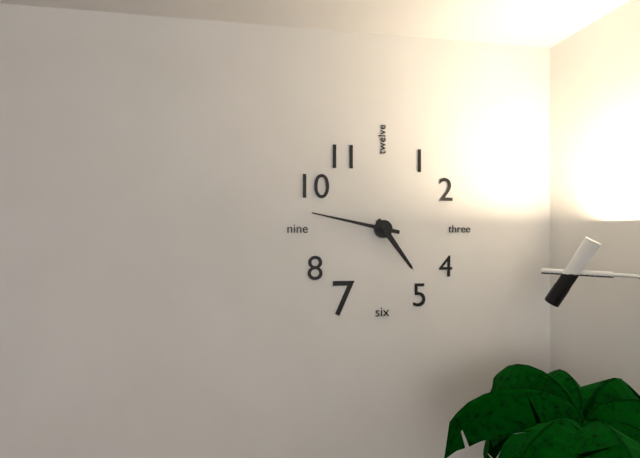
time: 4:47
